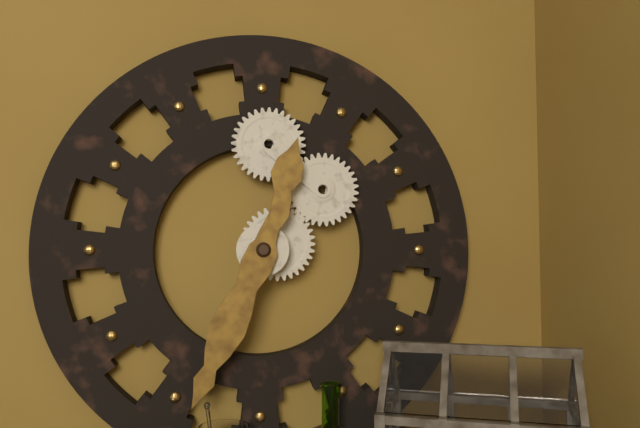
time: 12:34
